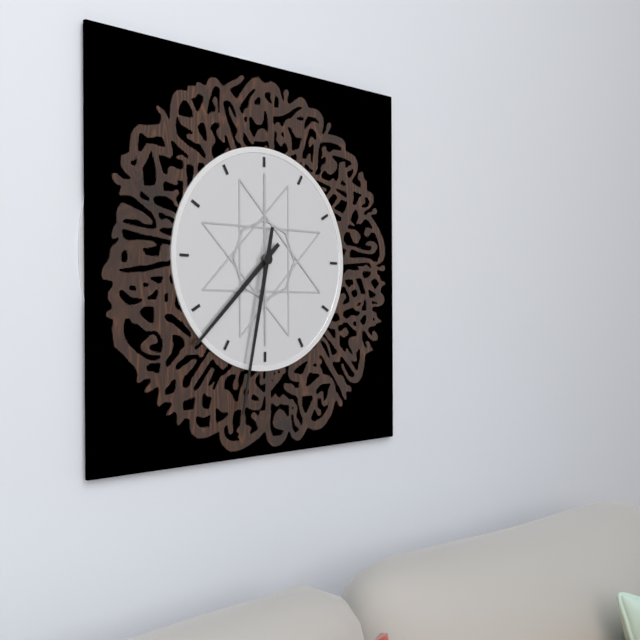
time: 7:32
